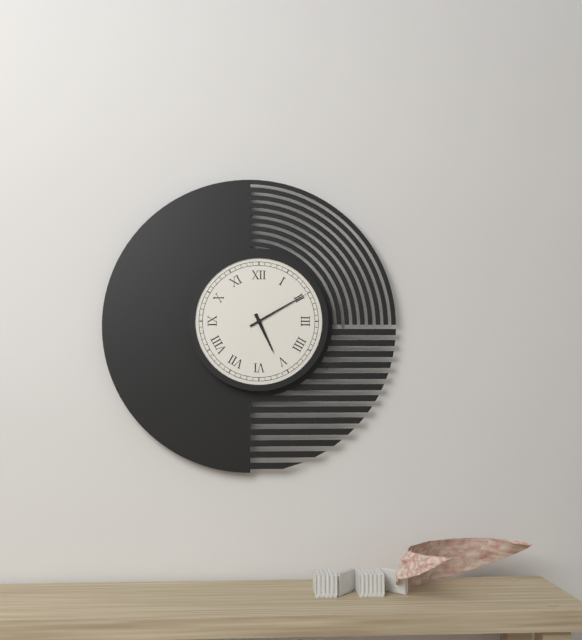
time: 5:10
